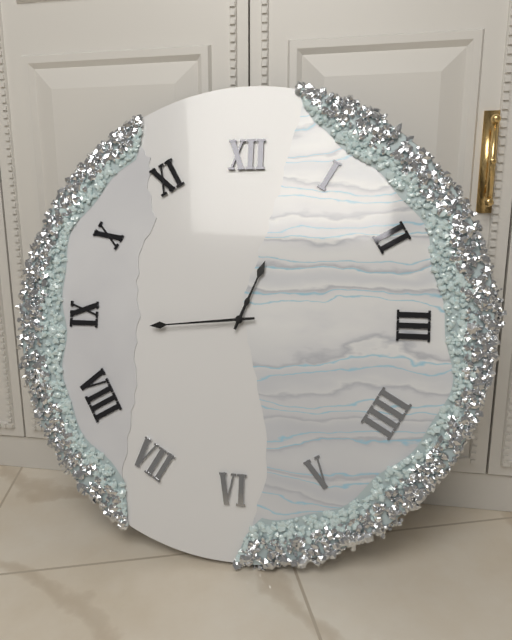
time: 12:44
